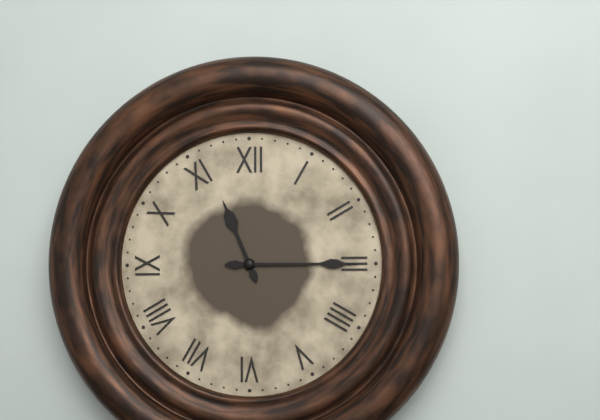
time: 11:15
